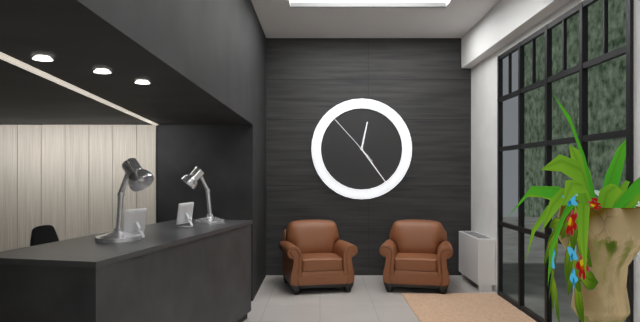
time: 12:24:53
